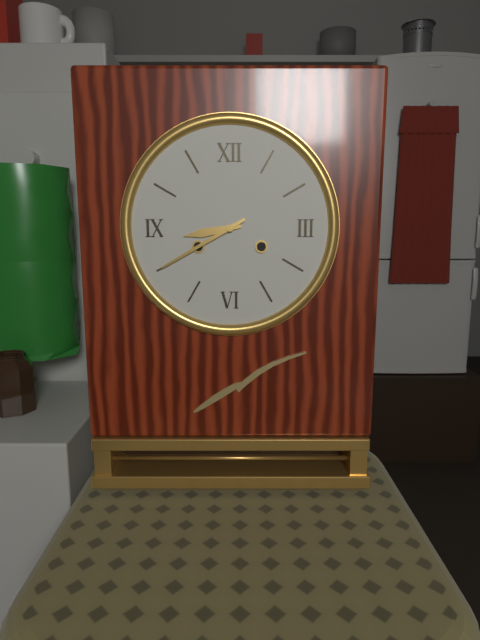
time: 8:40
